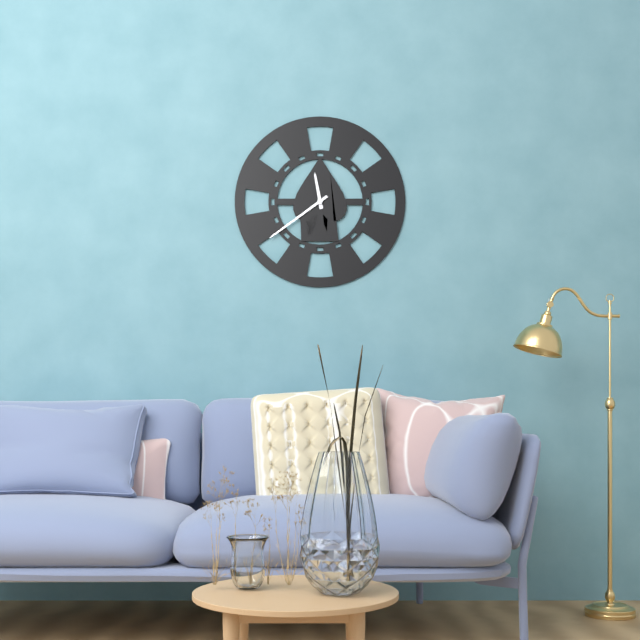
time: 11:39
